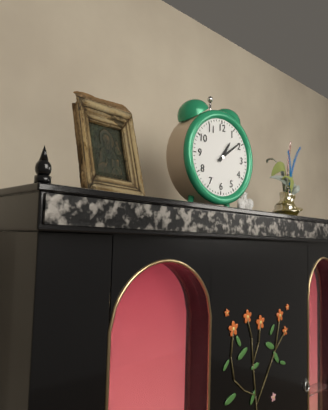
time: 1:09
